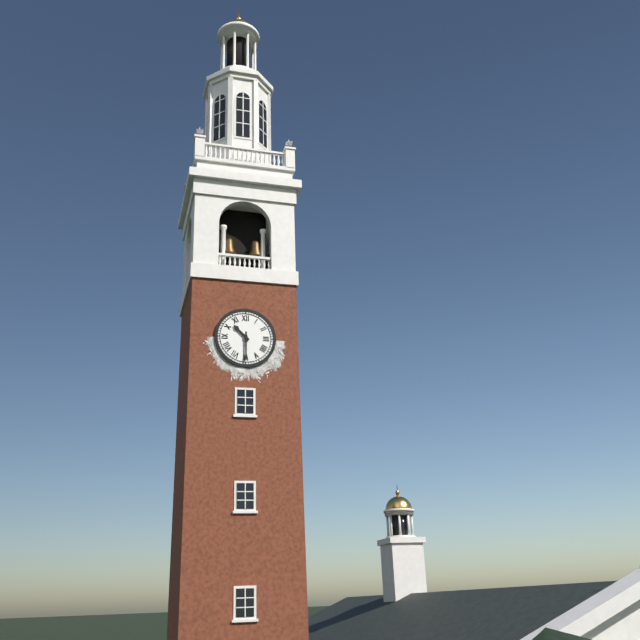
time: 10:30
